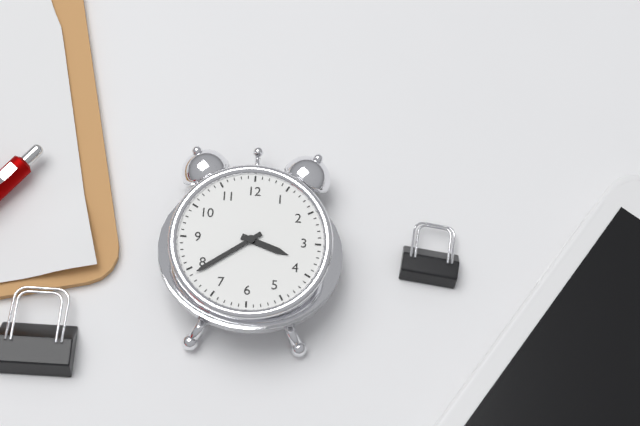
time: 3:39
